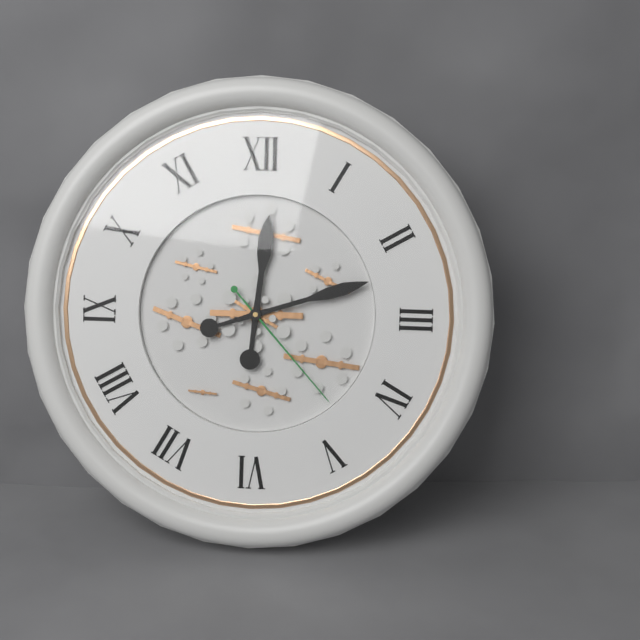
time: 12:12:23
